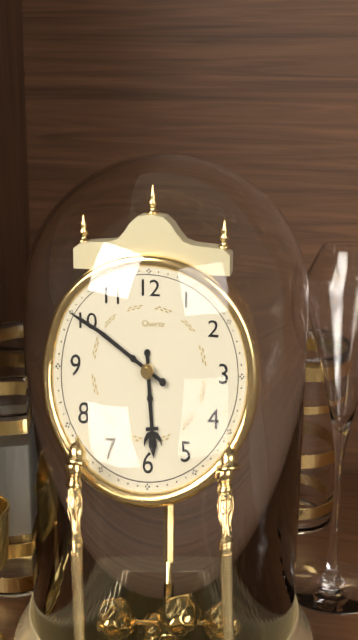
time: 5:50
